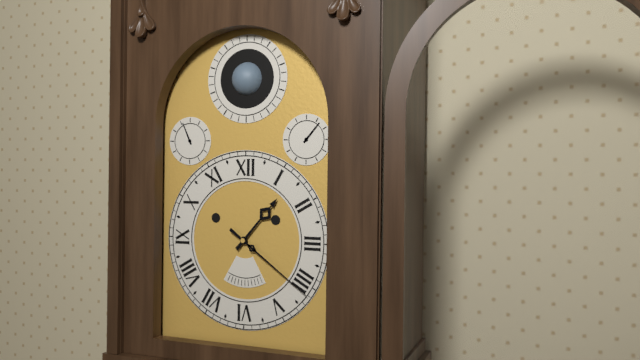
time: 1:21
